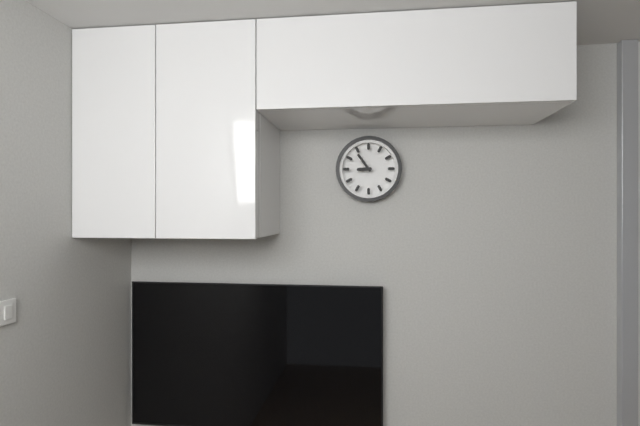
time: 8:54
